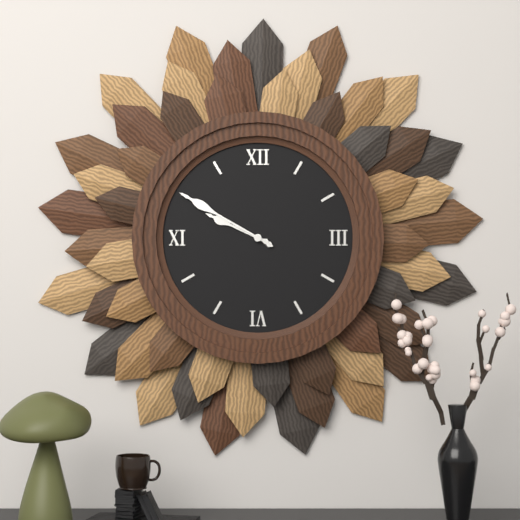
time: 9:50
